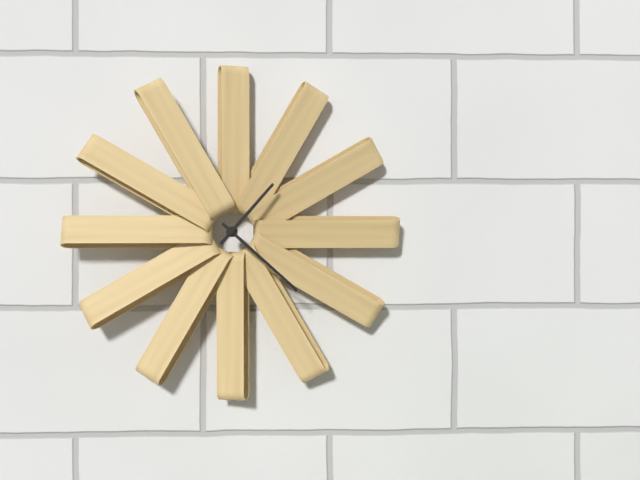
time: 1:22
